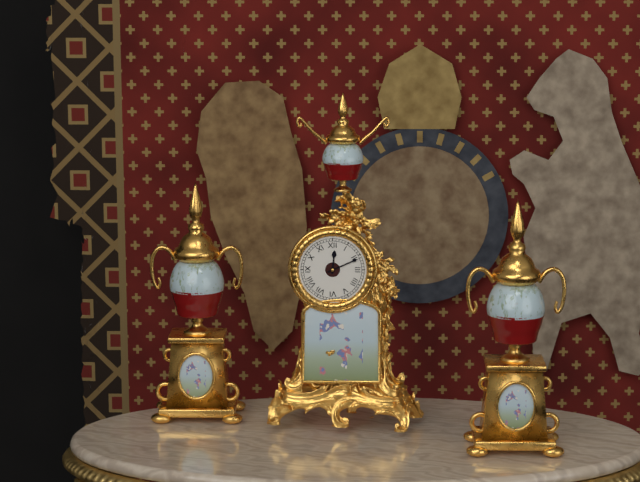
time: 12:11
